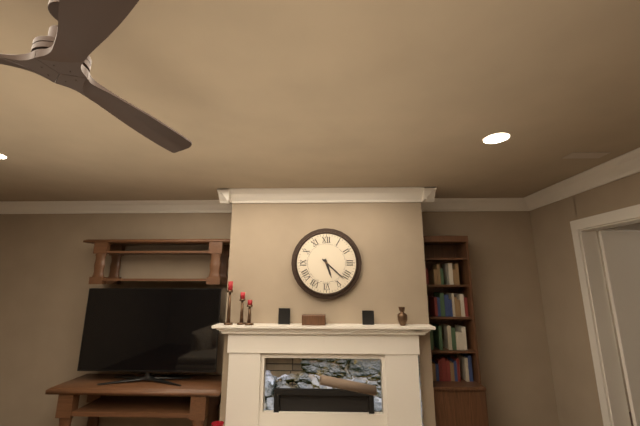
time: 5:22
